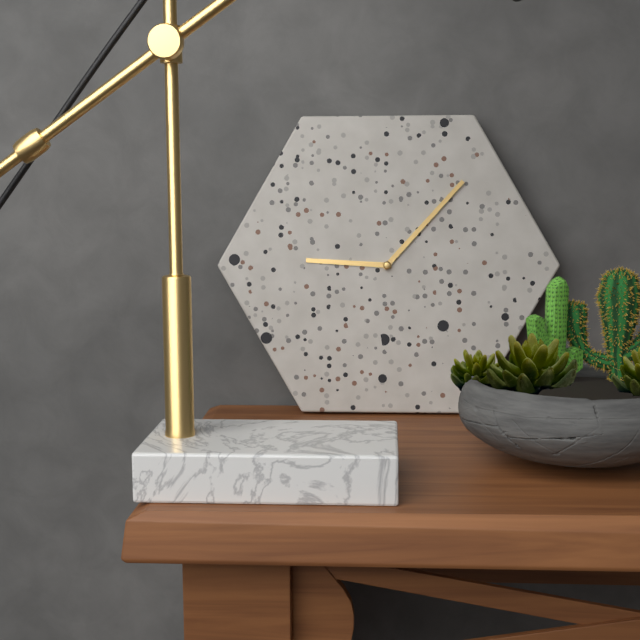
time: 9:07
